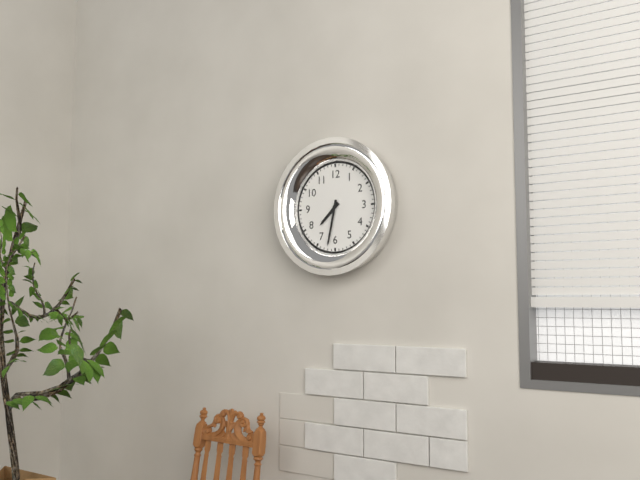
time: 7:32
